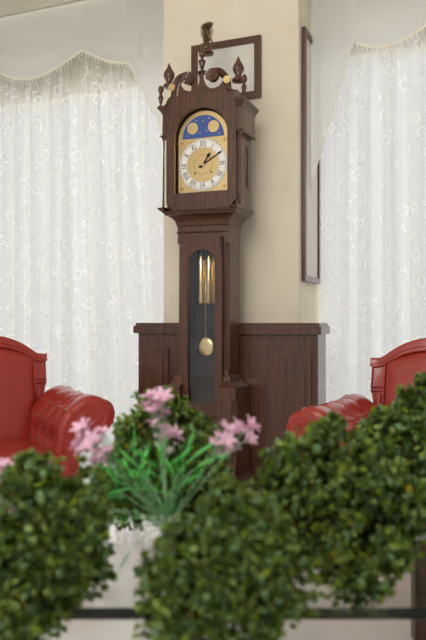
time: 1:10
